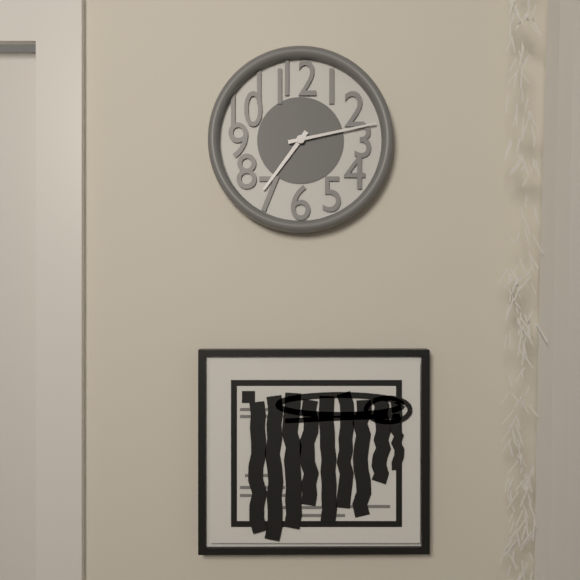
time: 7:13
